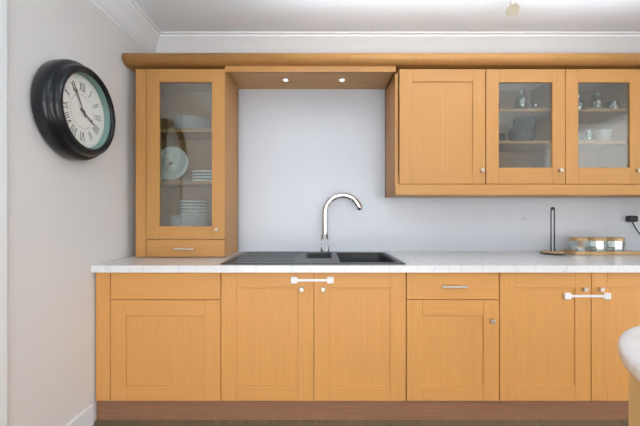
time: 3:55
